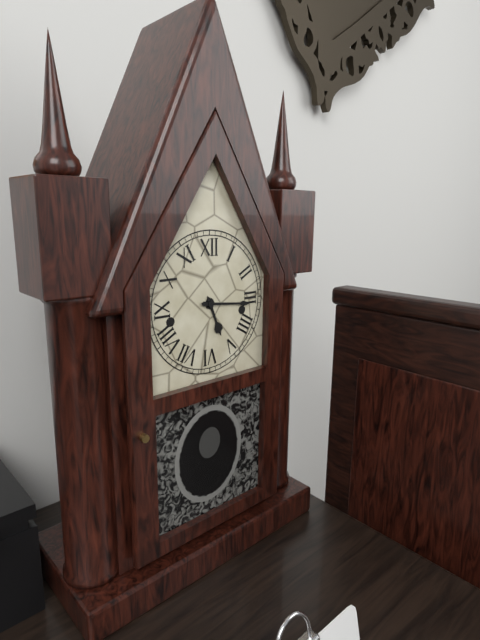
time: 5:16
